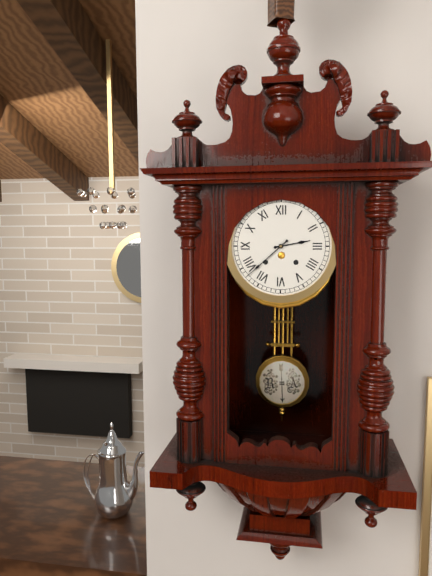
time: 2:38
